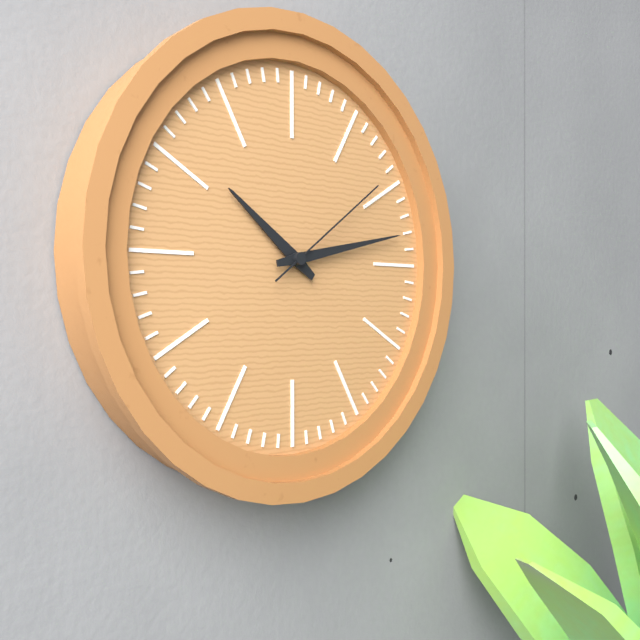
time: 10:13:09
